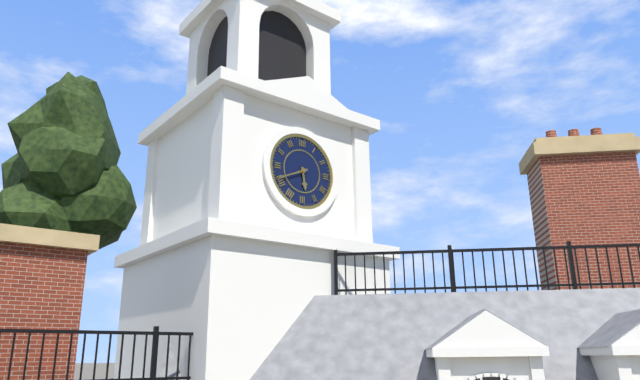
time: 5:41
